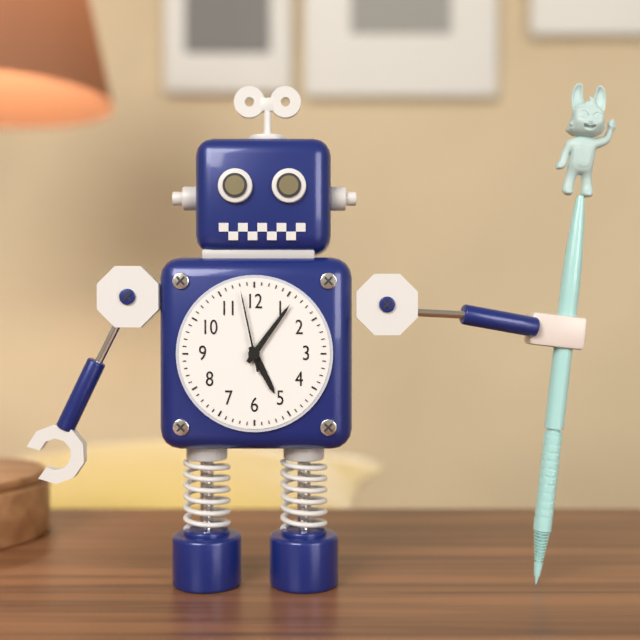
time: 5:06:58
